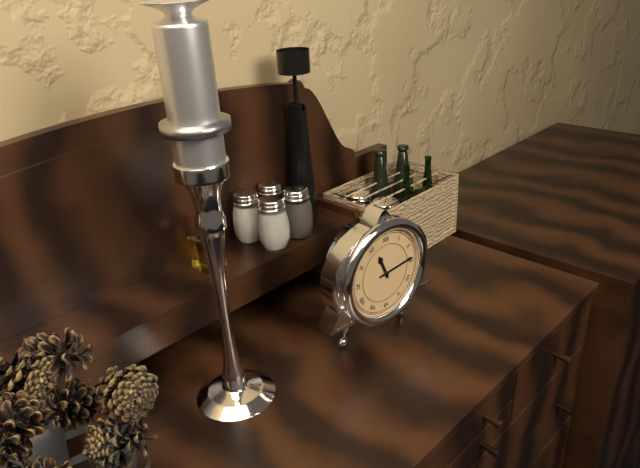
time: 11:14
